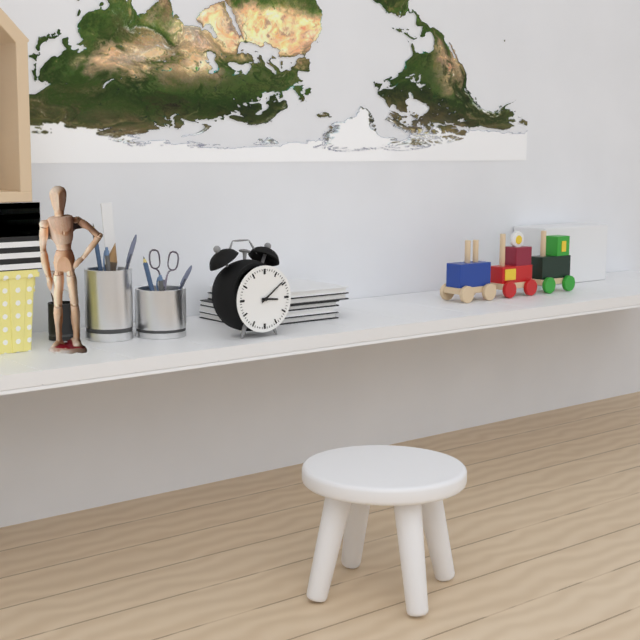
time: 3:09
